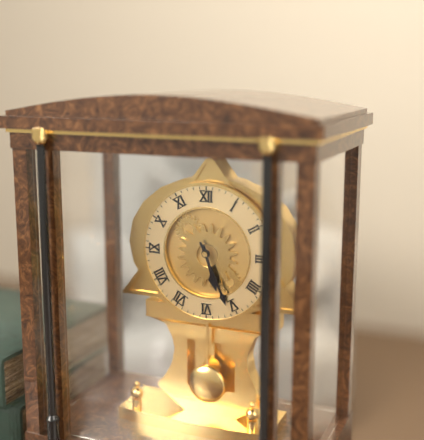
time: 5:26
